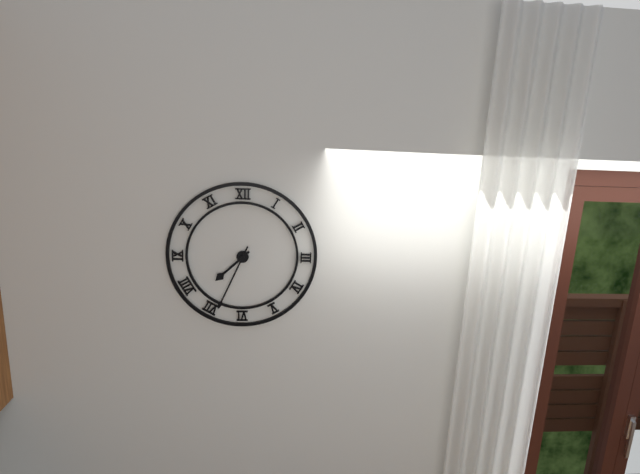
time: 7:34
